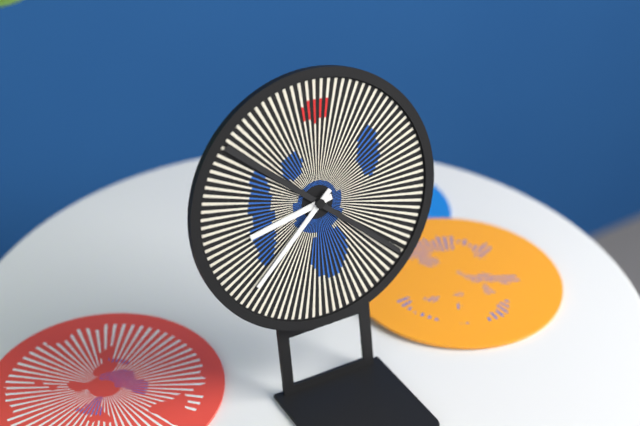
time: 8:38
